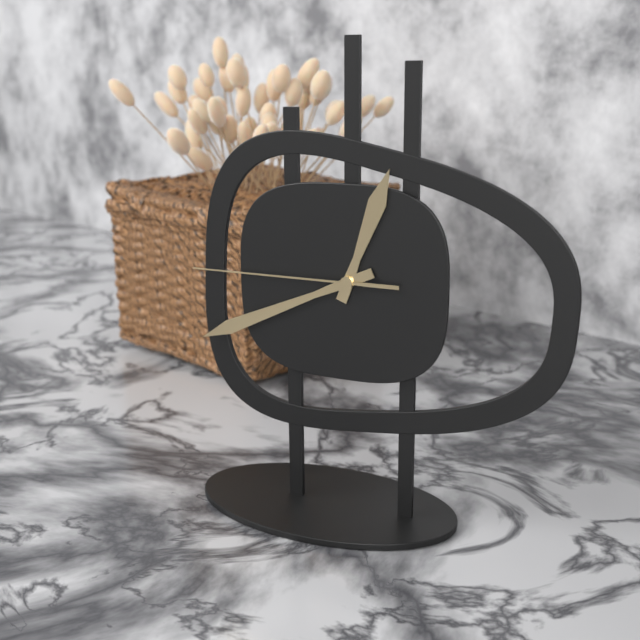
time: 12:41:45
